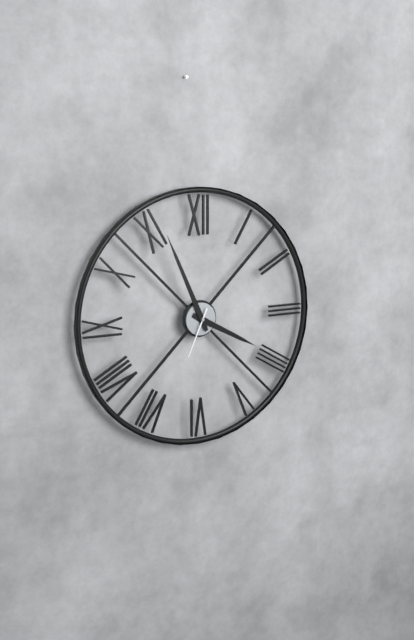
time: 3:56:34
